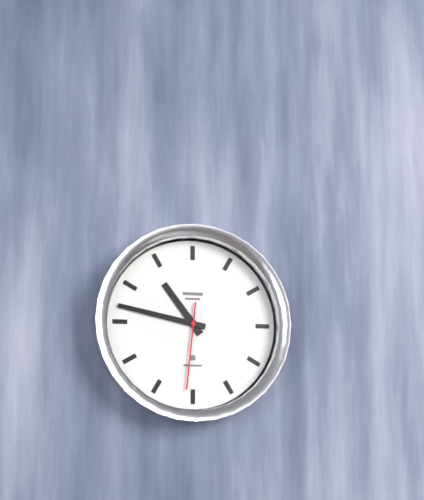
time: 10:47:31
